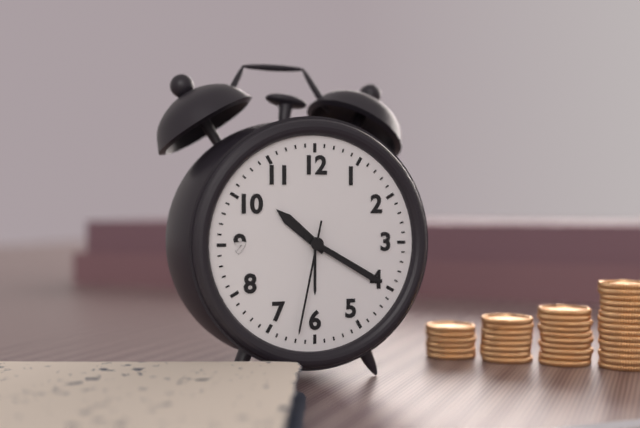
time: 10:20:32
